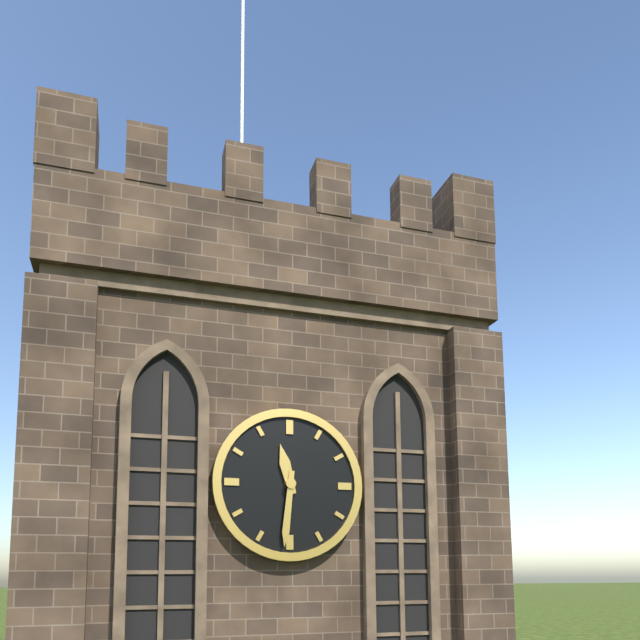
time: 11:31
